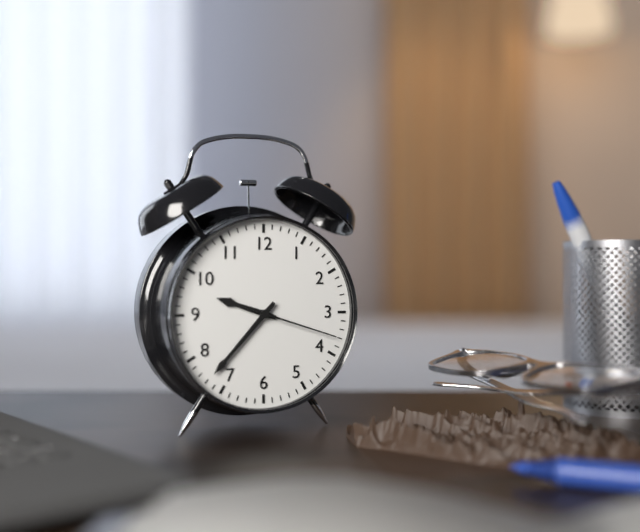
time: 9:37:18
